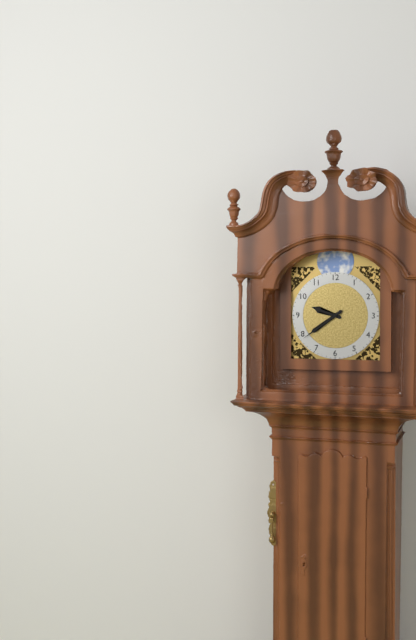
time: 9:39
